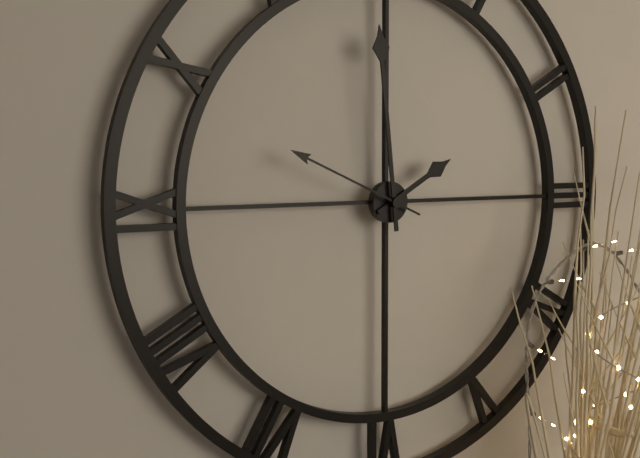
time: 1:59:49
